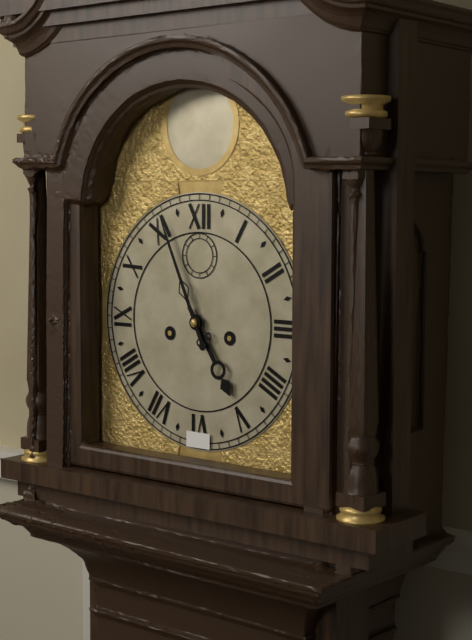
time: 4:56
